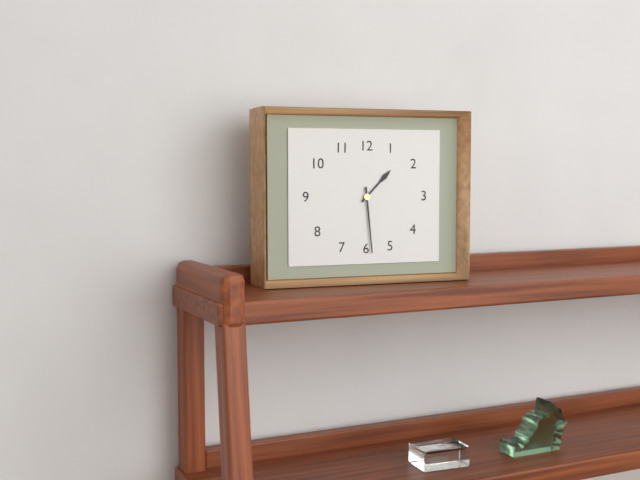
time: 1:29
